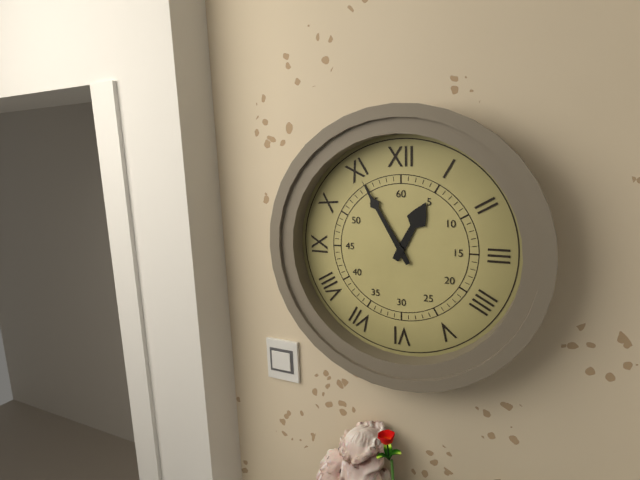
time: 12:55
